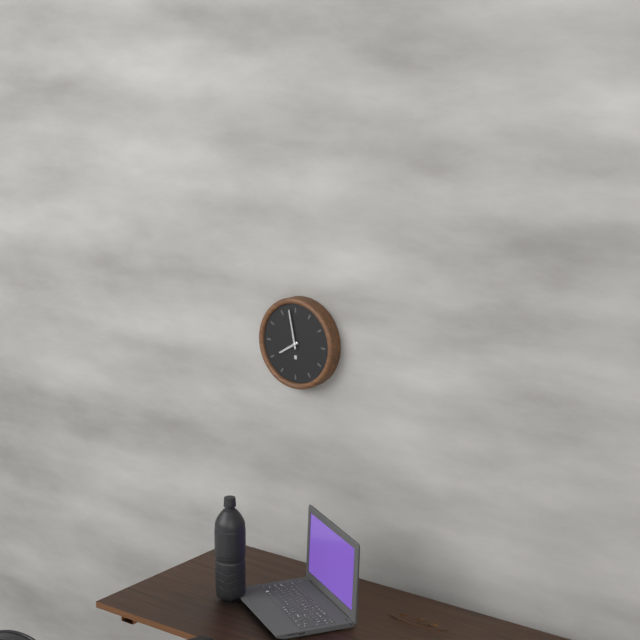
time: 7:58
